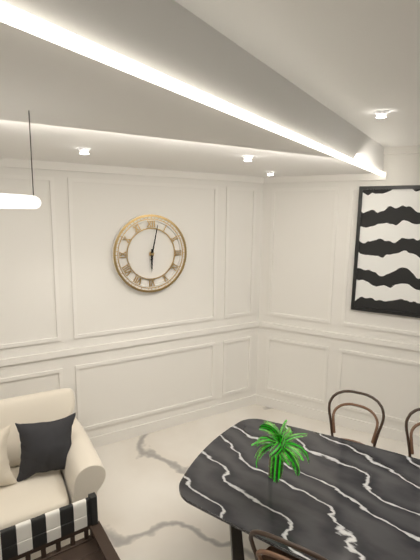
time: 6:02
